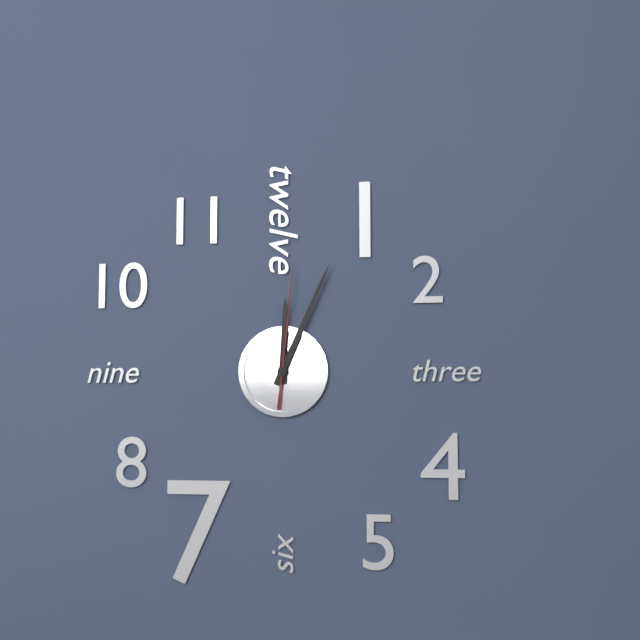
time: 12:04:01
